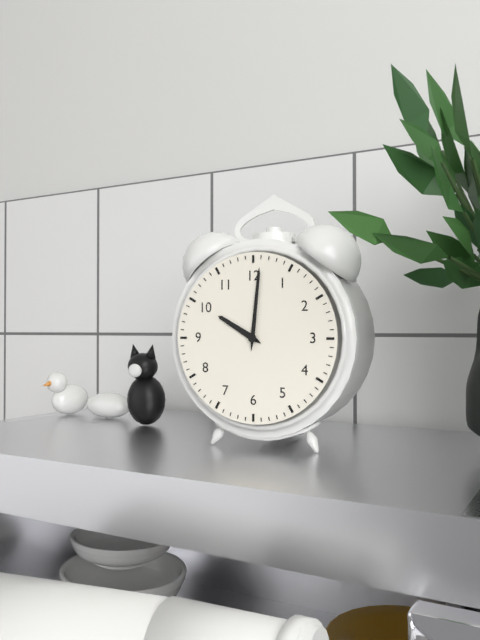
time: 10:01
